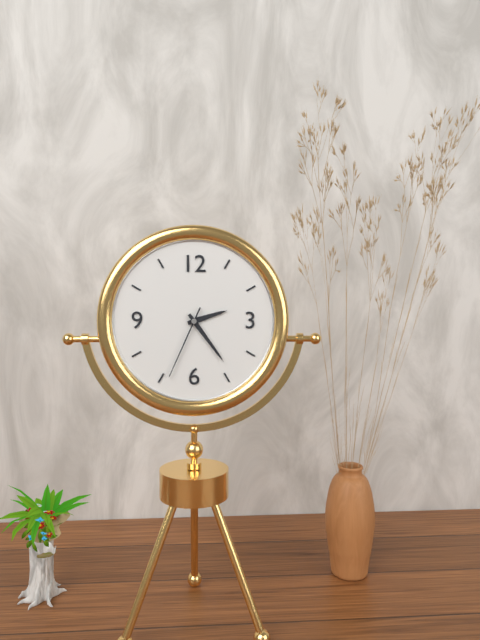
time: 2:24:34
